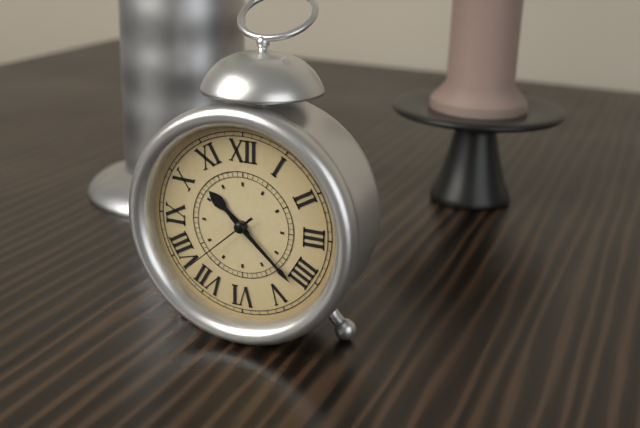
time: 10:22:38
